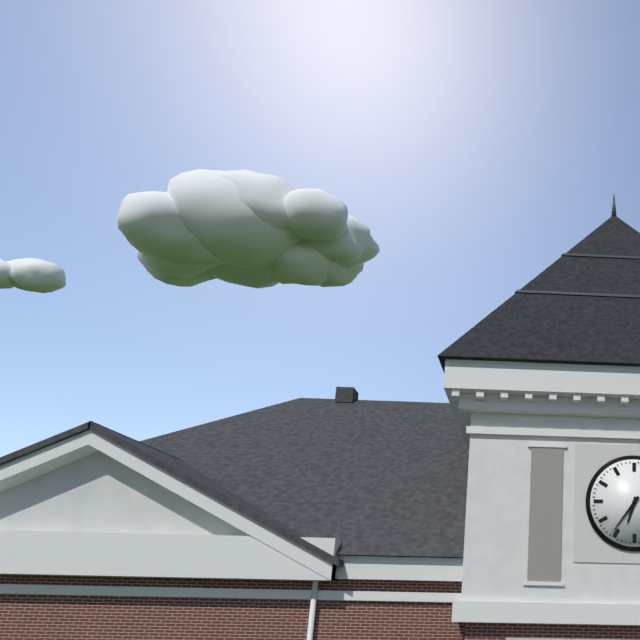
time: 6:36
